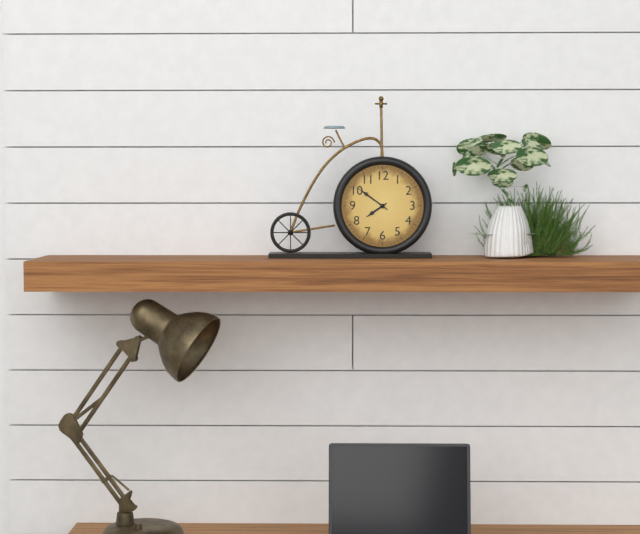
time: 7:51
